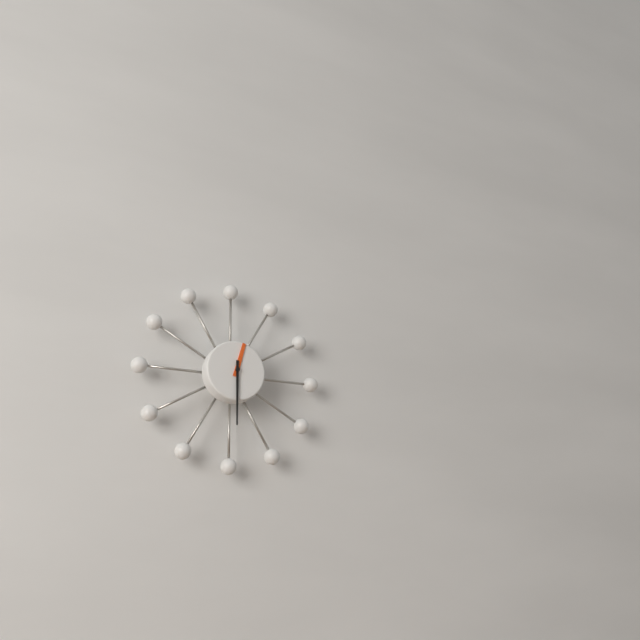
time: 12:30
